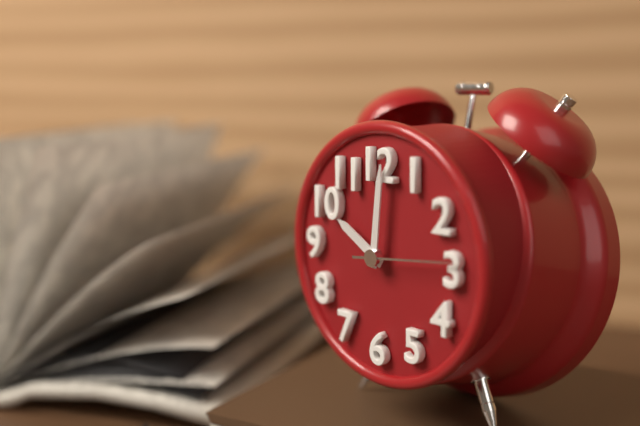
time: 10:01:14
